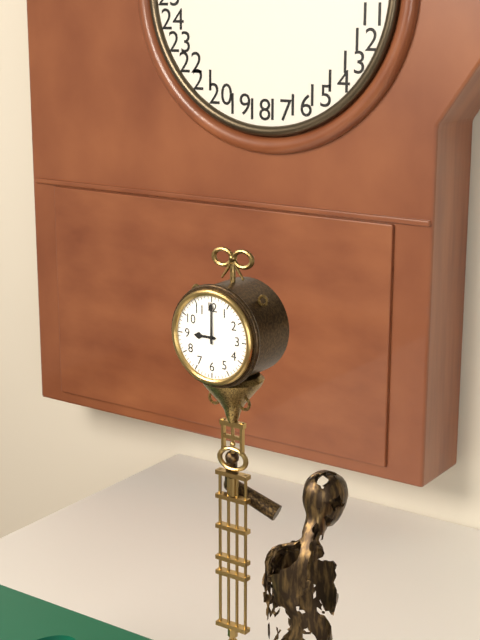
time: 9:00
